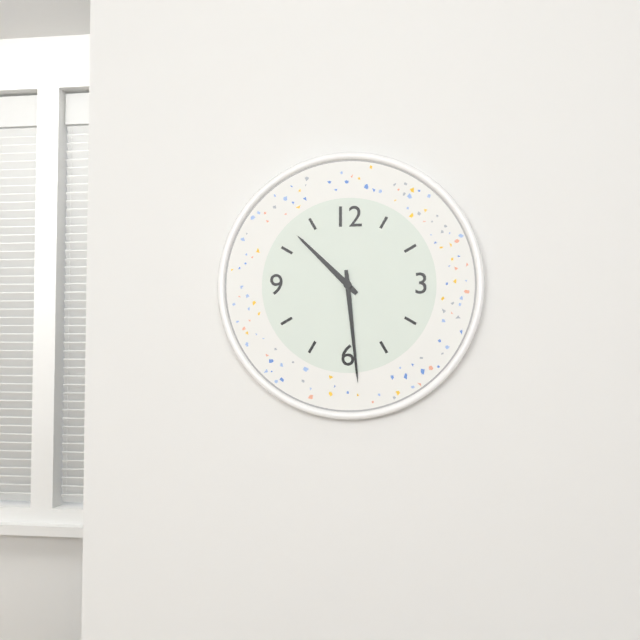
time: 10:29
